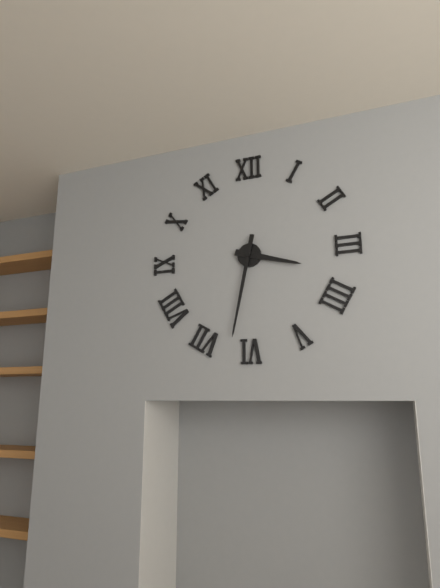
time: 3:32
